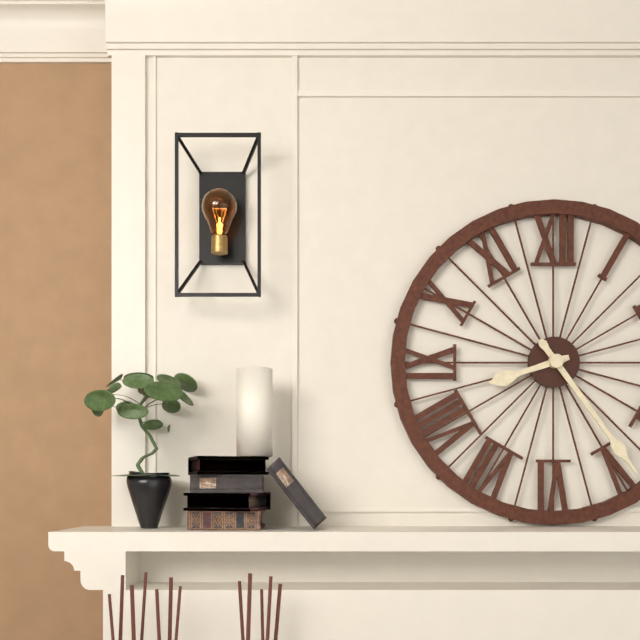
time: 8:24
